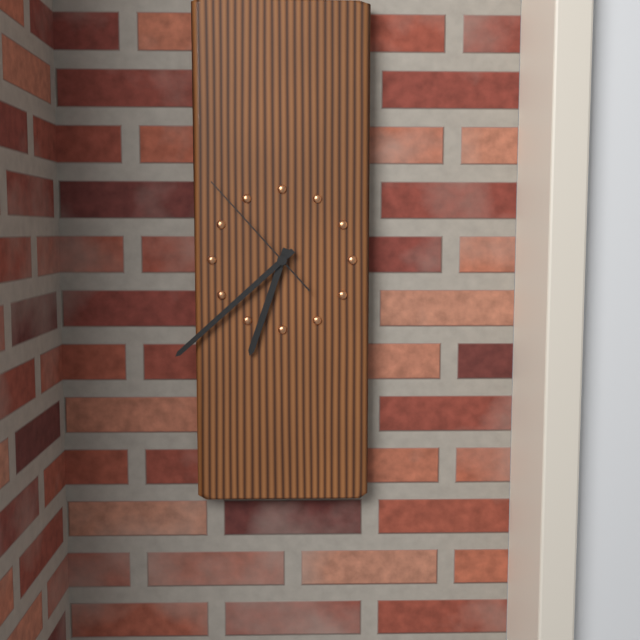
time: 6:38:53
